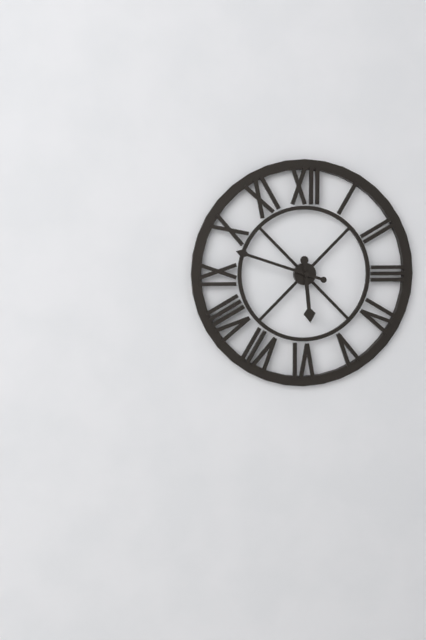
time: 5:48
